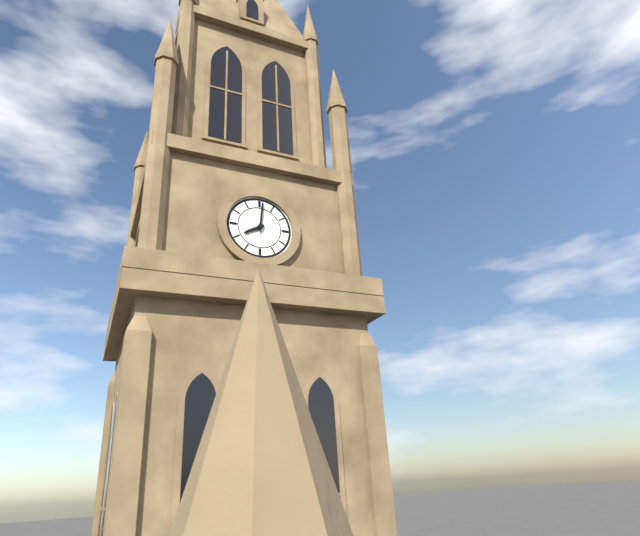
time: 8:01
